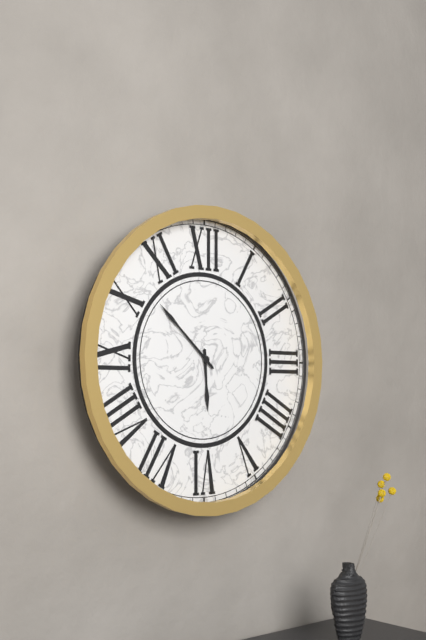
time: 5:52
